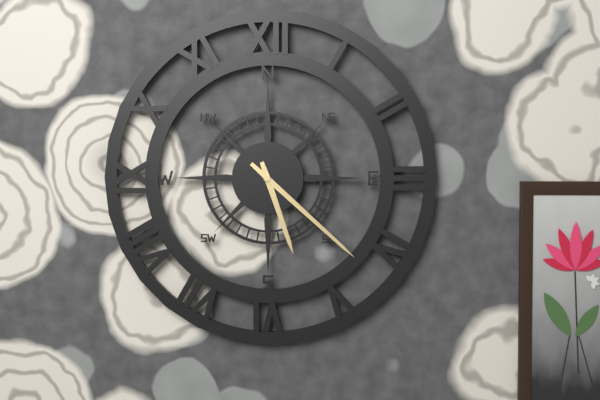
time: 5:22
